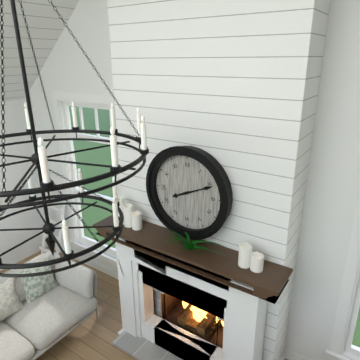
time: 8:11
